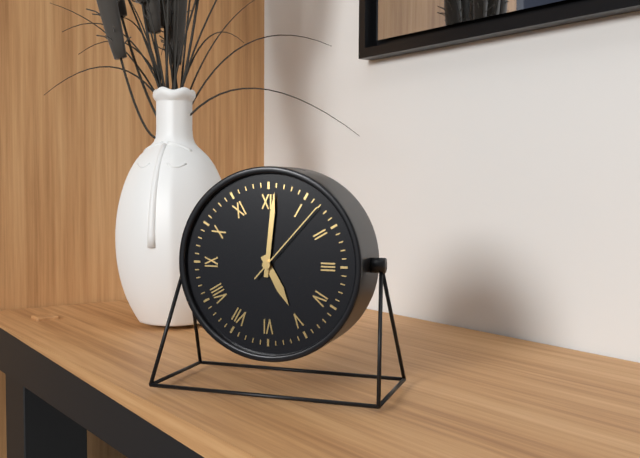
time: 5:01:07
